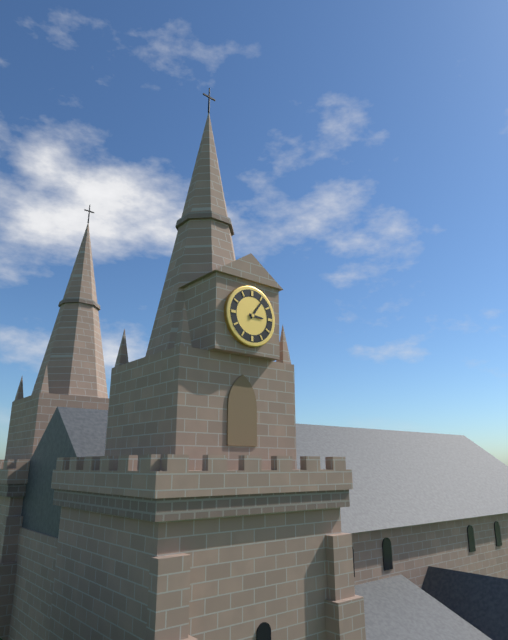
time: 3:06
